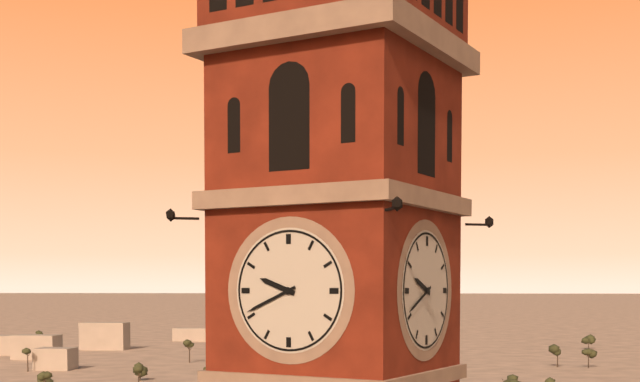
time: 9:41
